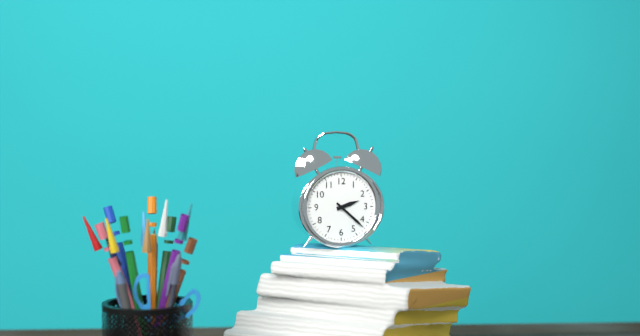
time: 2:22
